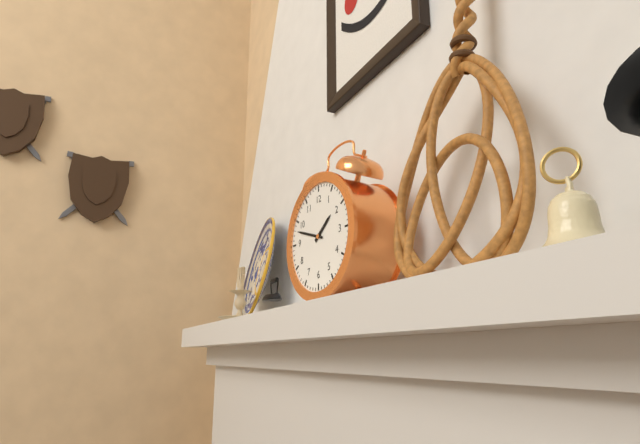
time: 1:48
